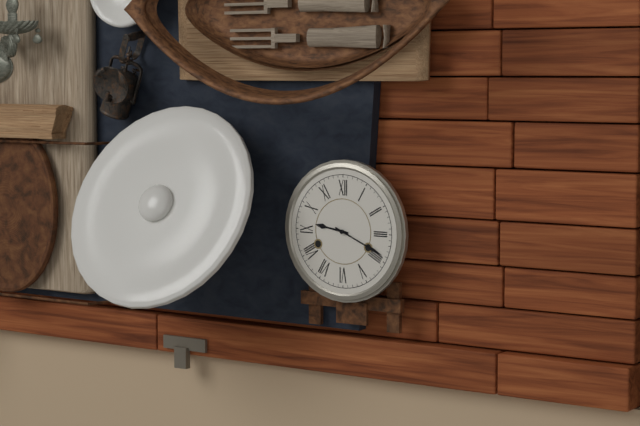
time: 9:19
